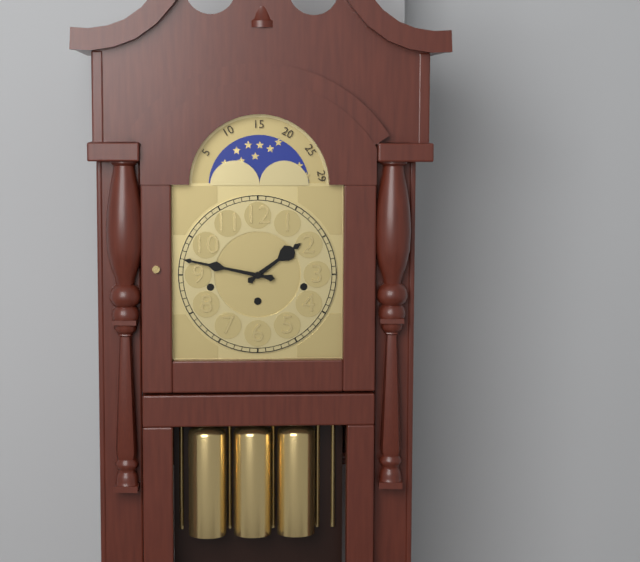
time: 1:47
